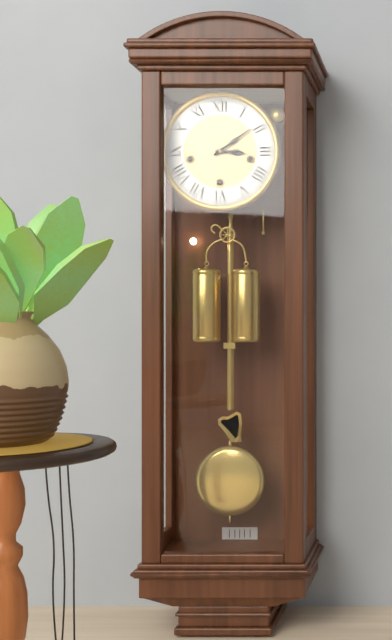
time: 3:09
